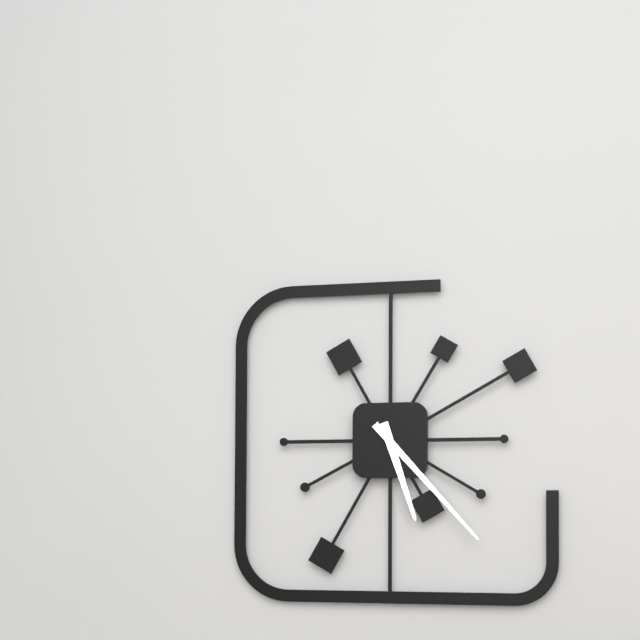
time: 5:23
